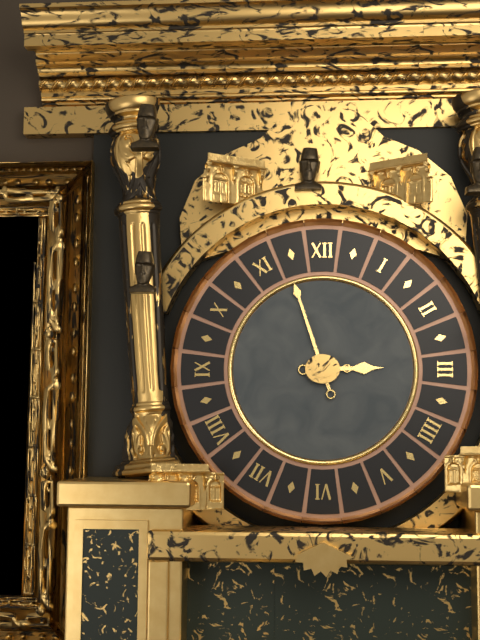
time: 2:57
